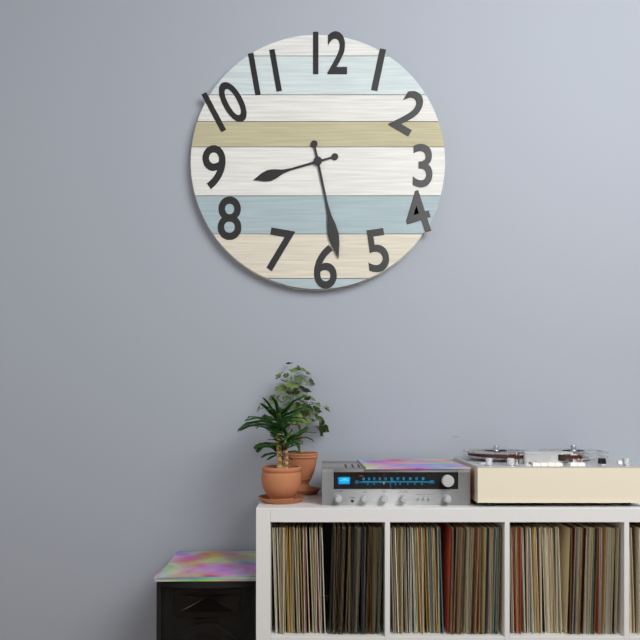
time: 8:28
